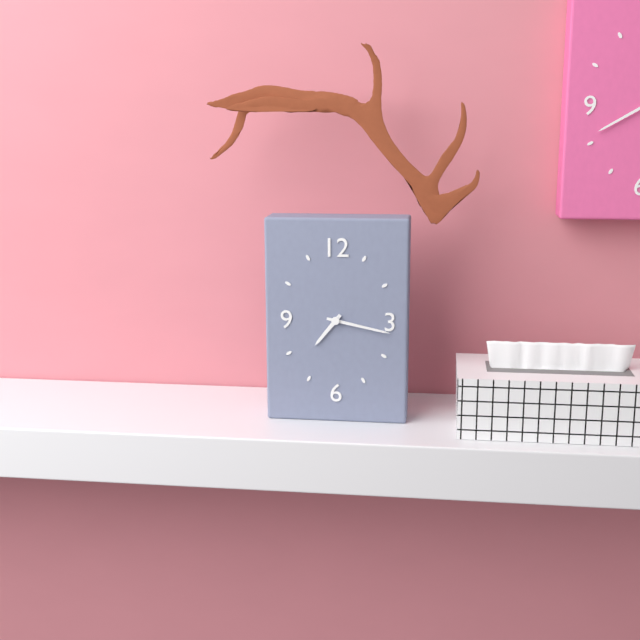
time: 7:17
